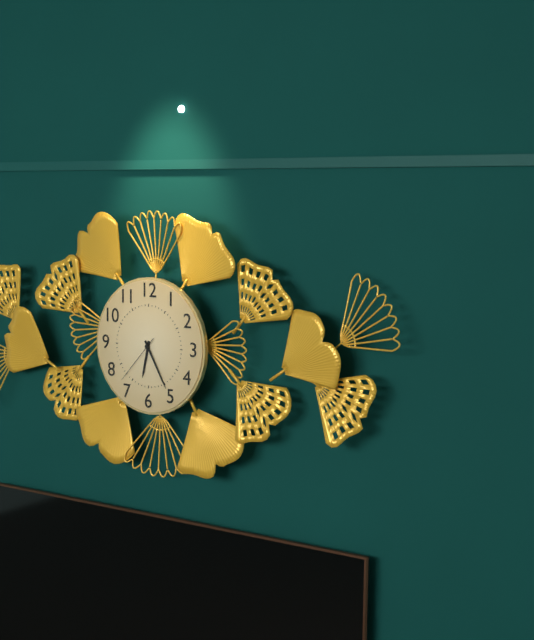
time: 6:25:37
